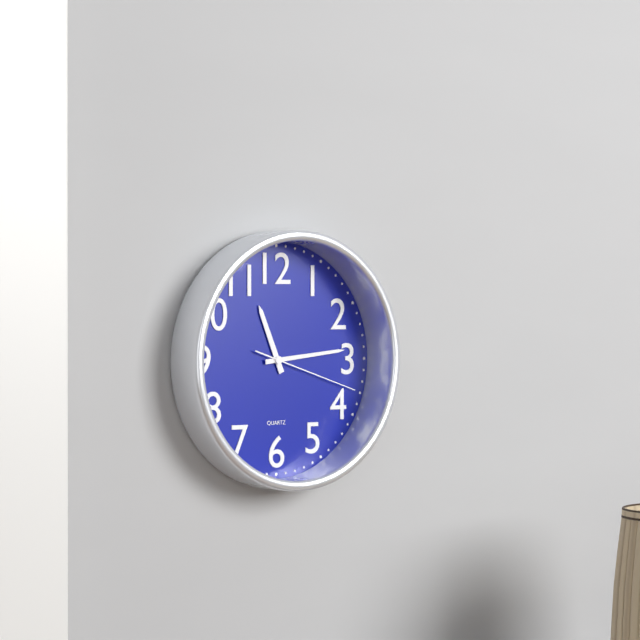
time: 11:14:18
